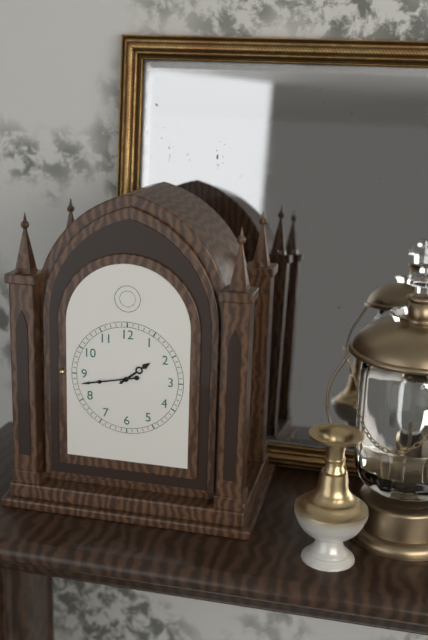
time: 1:43
